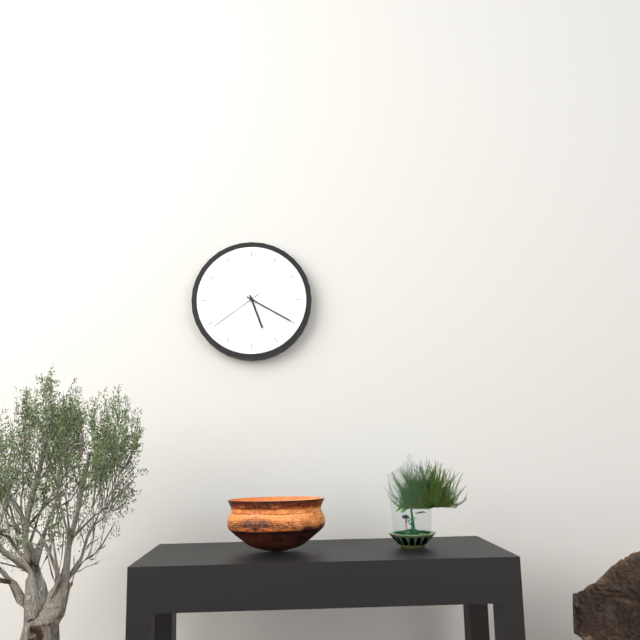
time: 5:20:39
